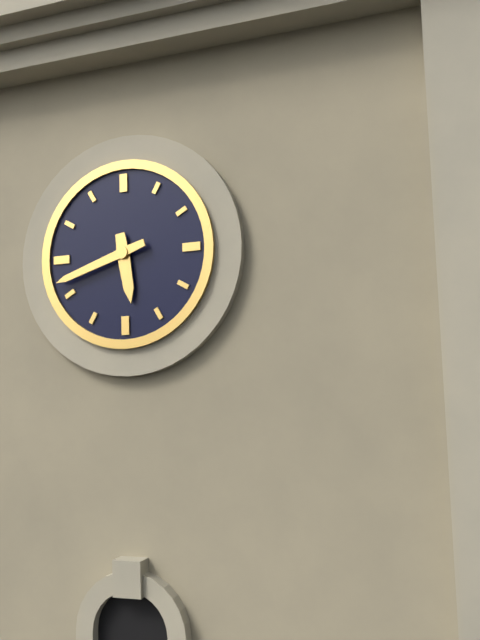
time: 5:42
